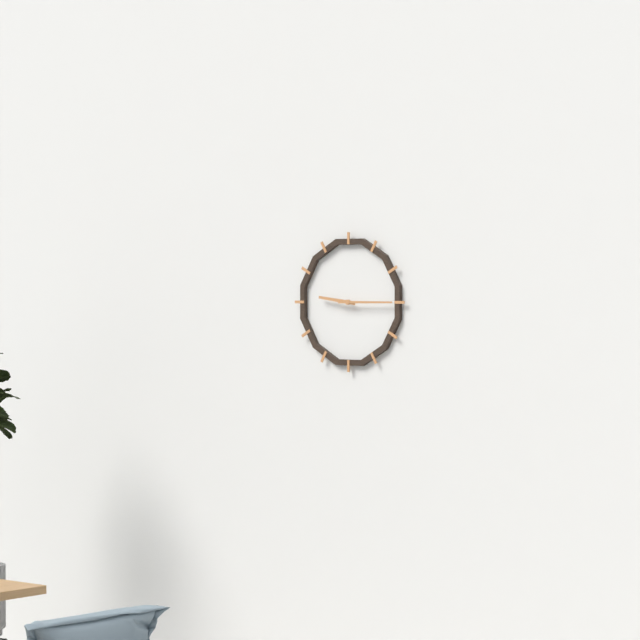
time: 9:15
